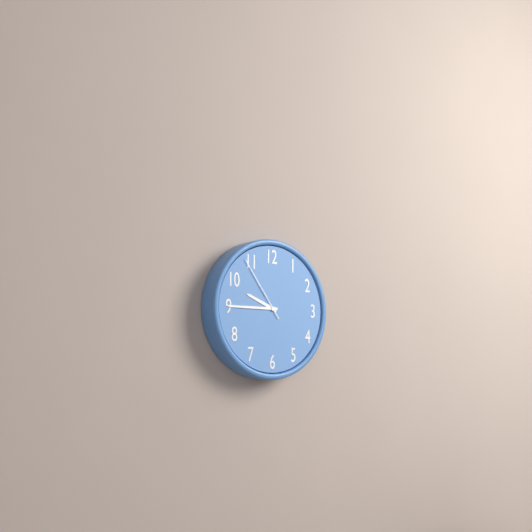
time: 9:45:54
